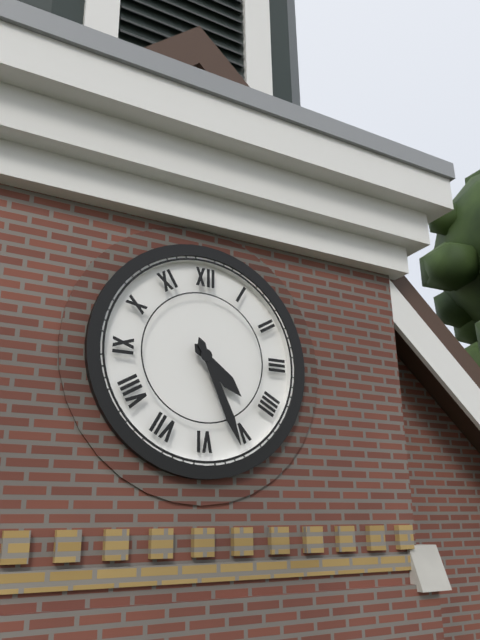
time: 4:26
